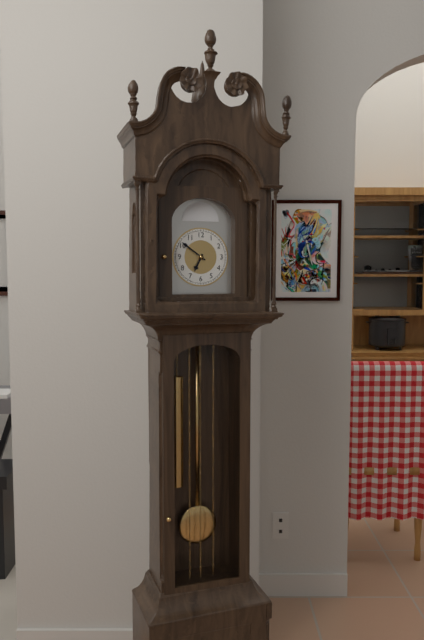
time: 6:51
